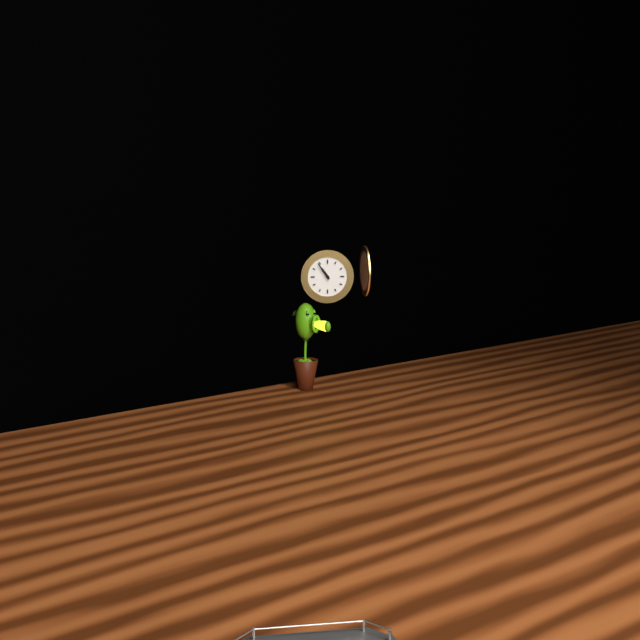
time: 10:54
